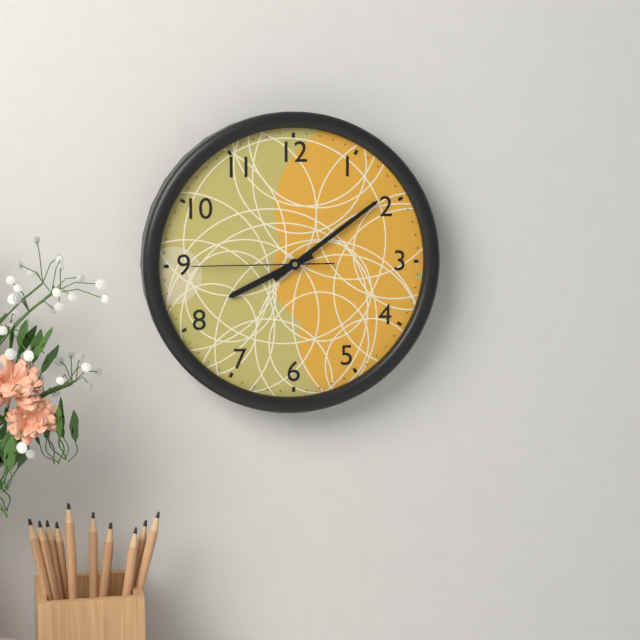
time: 8:09:45
